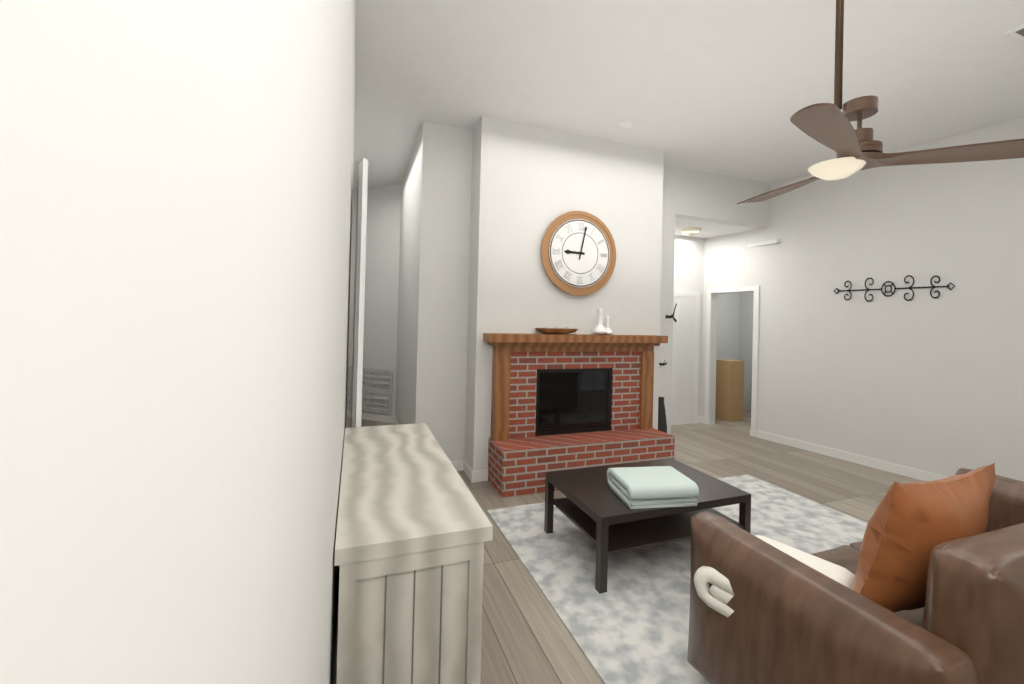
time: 9:02
